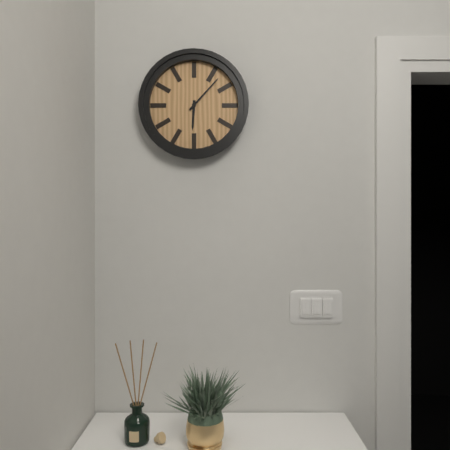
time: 6:07
